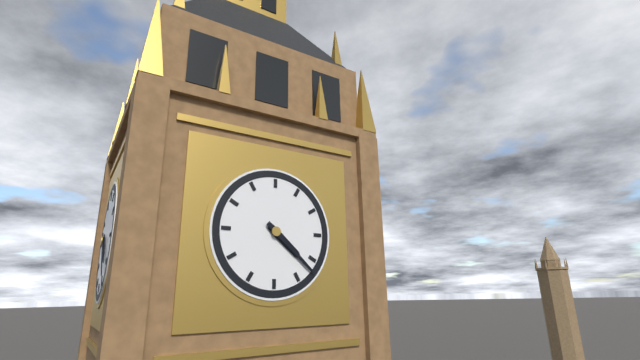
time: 4:22
